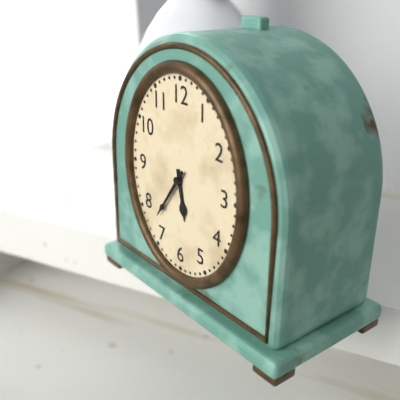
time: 5:36
